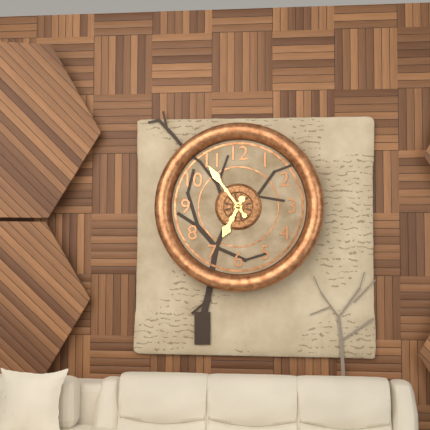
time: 6:54
